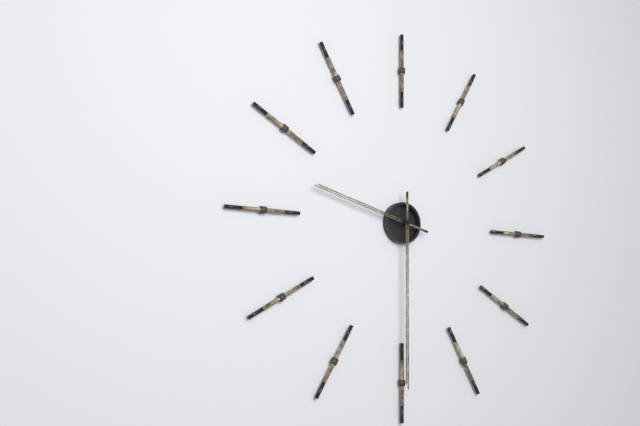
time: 9:30
